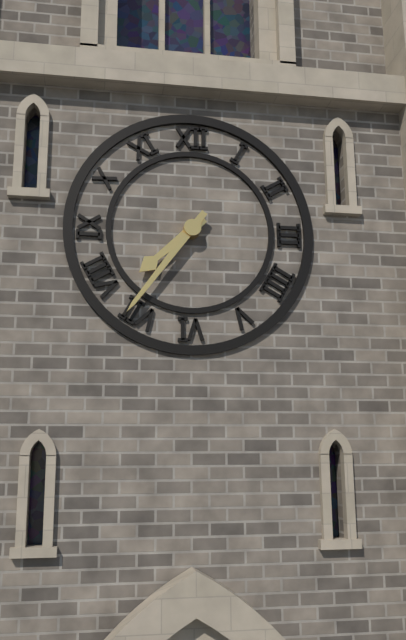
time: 7:36
